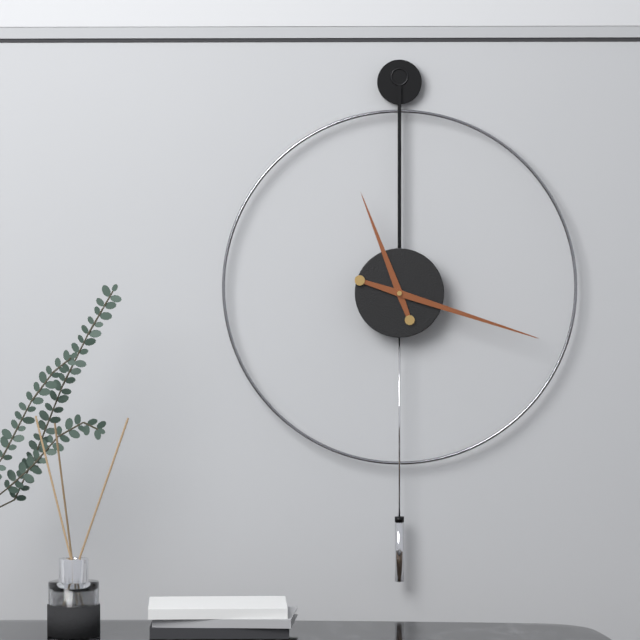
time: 11:18
